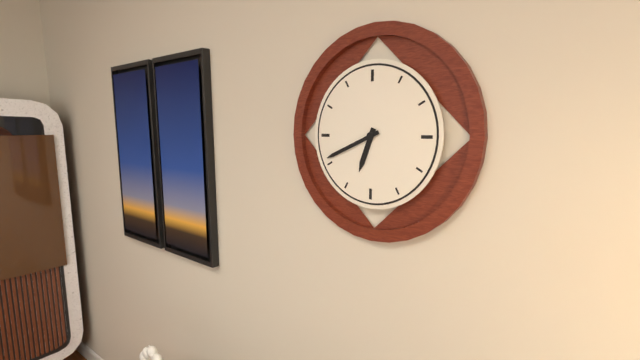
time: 6:41
